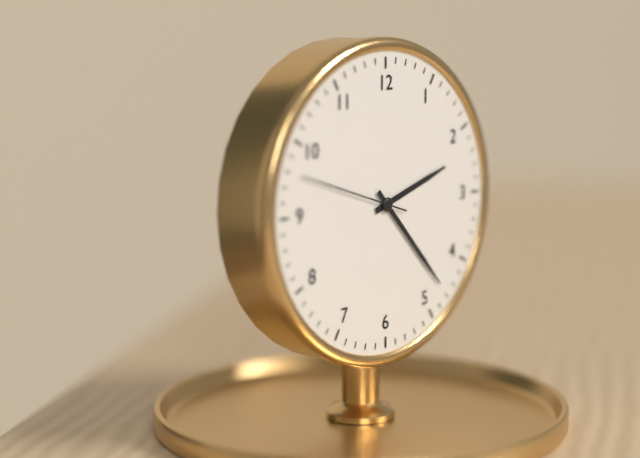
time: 2:23:48
